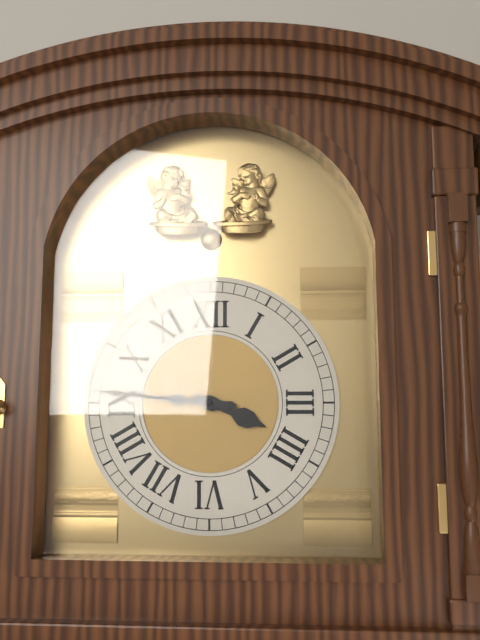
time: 3:46
